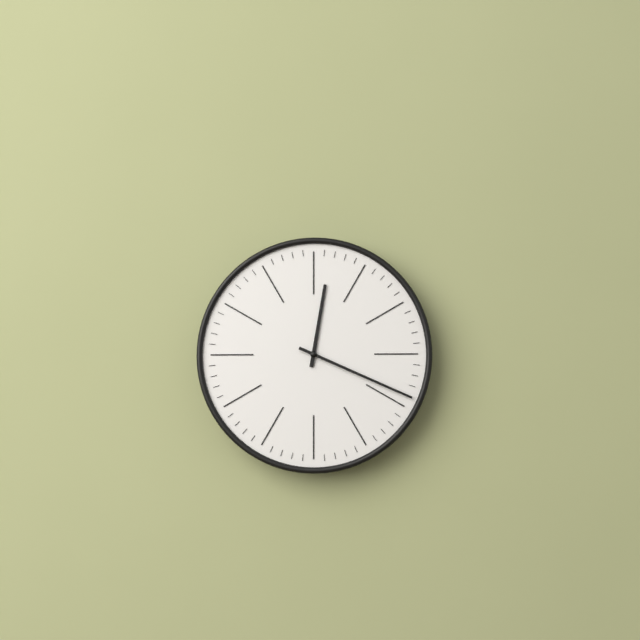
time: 12:19
